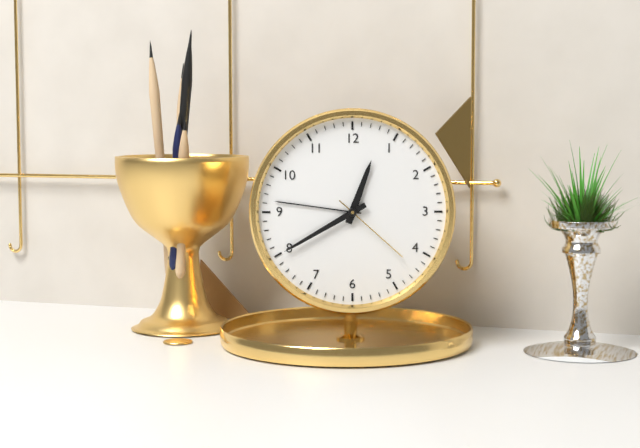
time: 12:40:22
